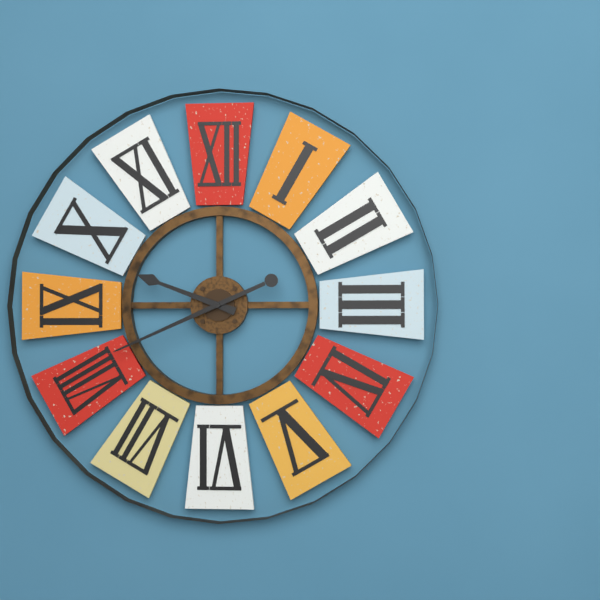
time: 9:41
